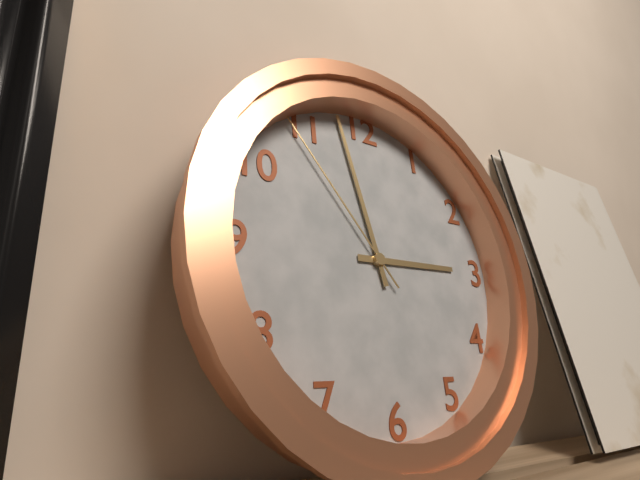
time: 2:58:54
